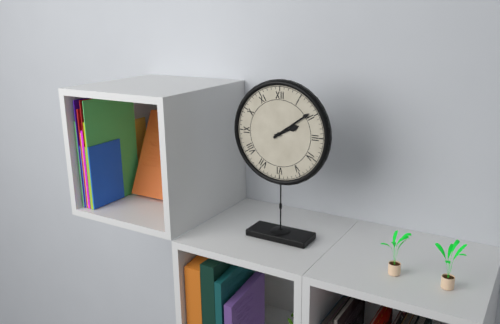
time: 2:09
